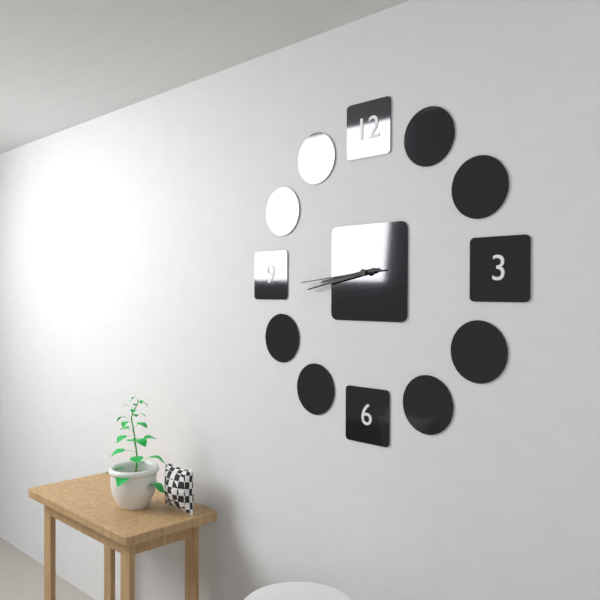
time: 8:43:44
